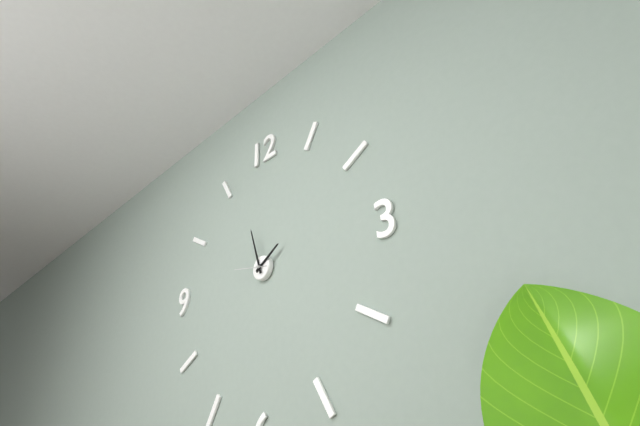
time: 1:57
